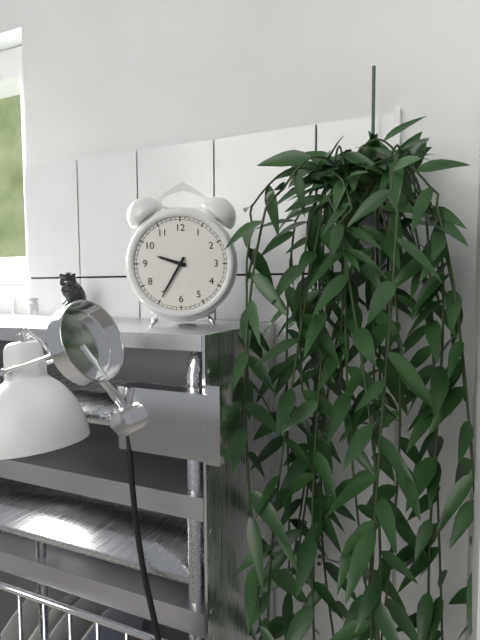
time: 9:35
